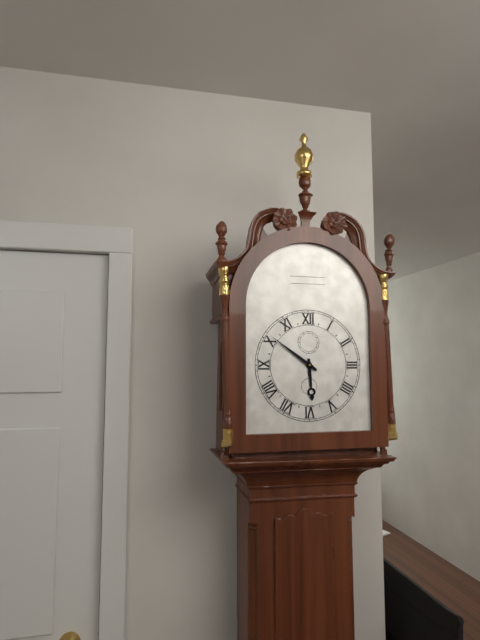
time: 5:51
